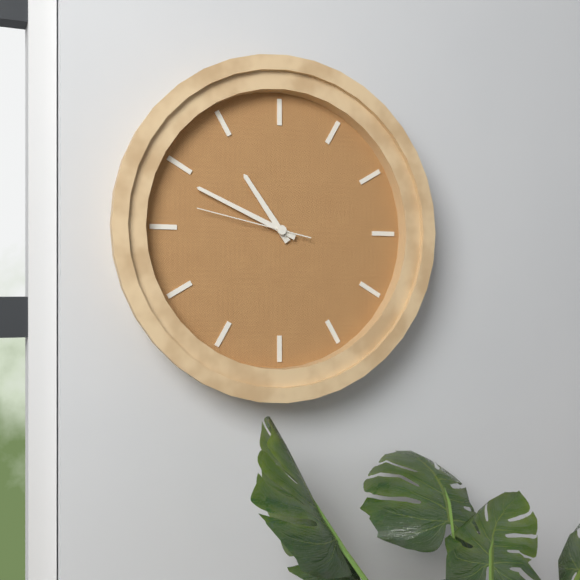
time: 10:49:47
